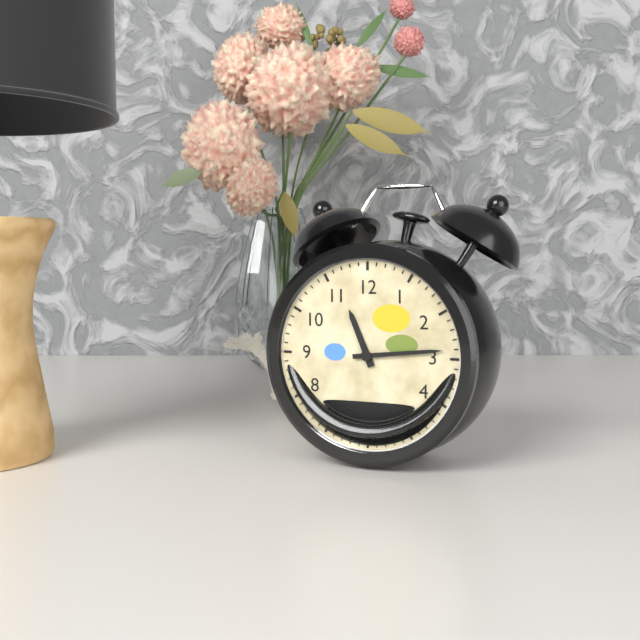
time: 11:14
